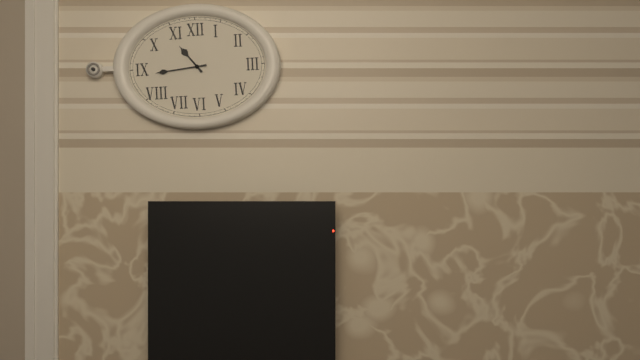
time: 10:44
